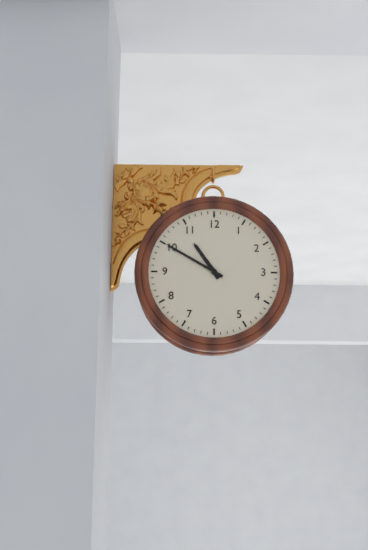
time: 10:50
